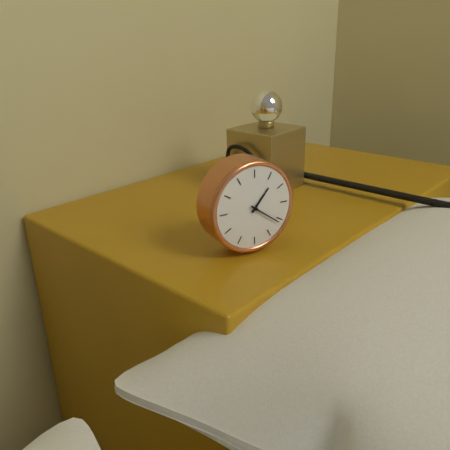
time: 1:21
